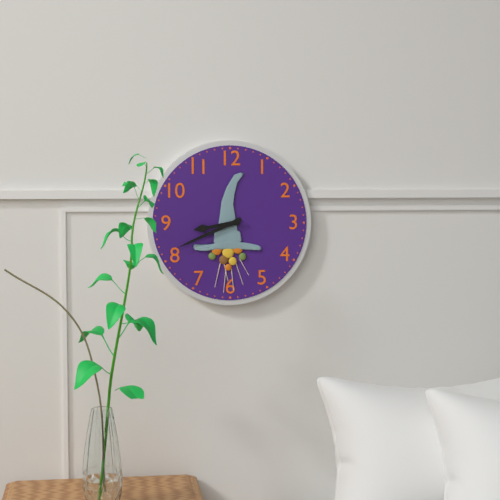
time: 8:41
